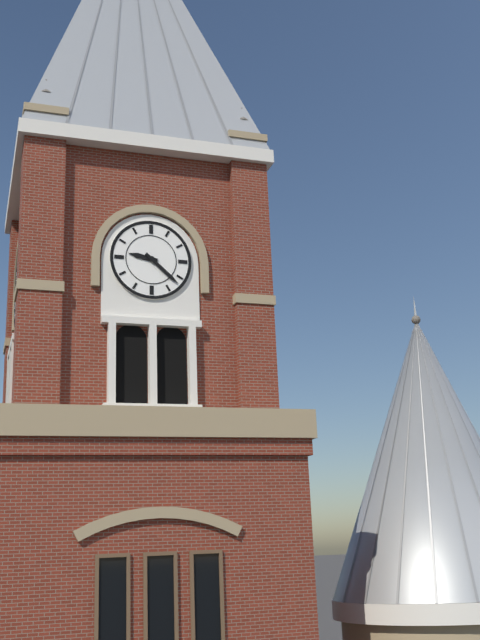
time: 9:22
